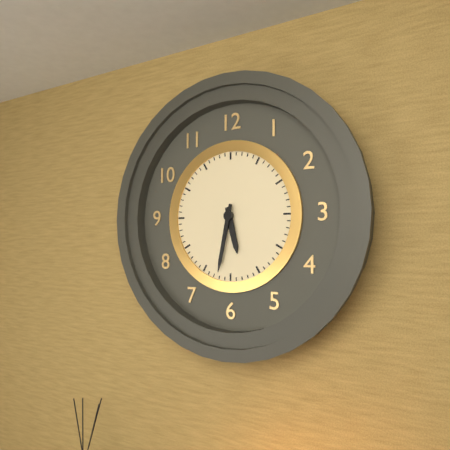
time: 5:32
